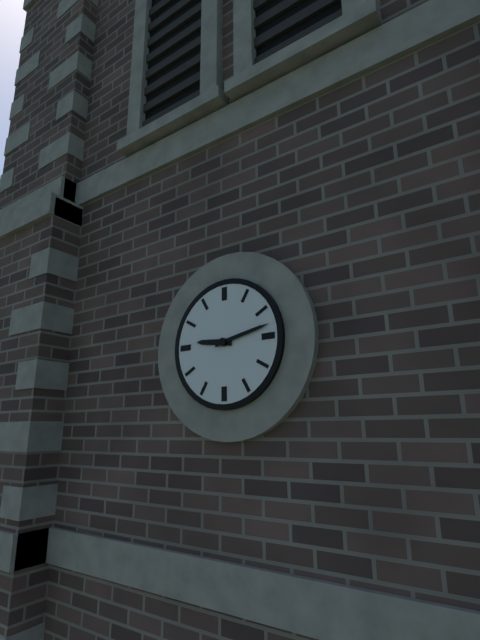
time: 9:13
